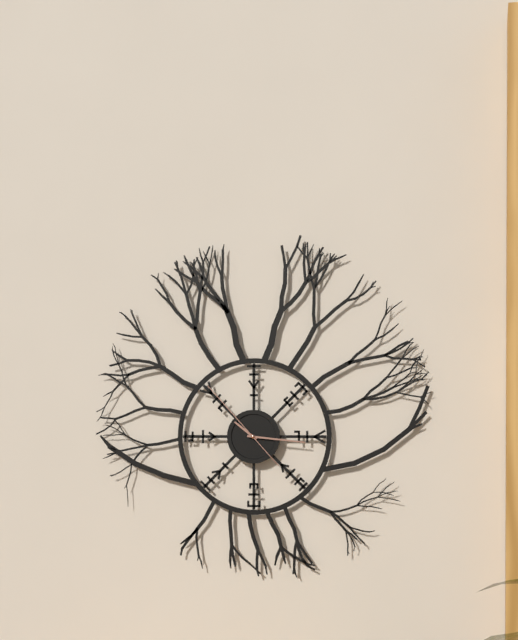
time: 10:16:53
